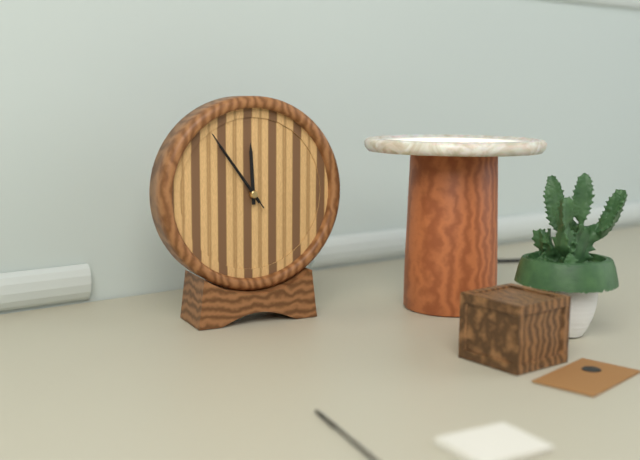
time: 11:54:54
